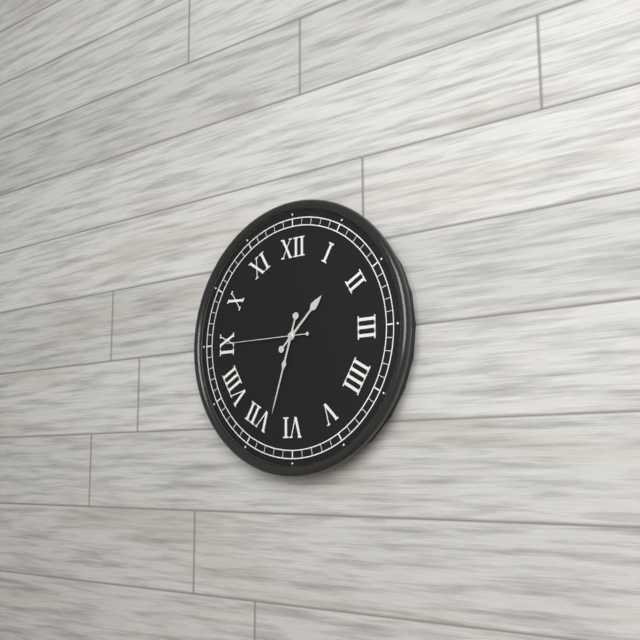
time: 1:33:45
